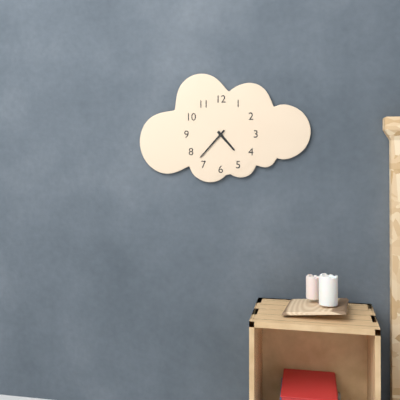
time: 4:37
